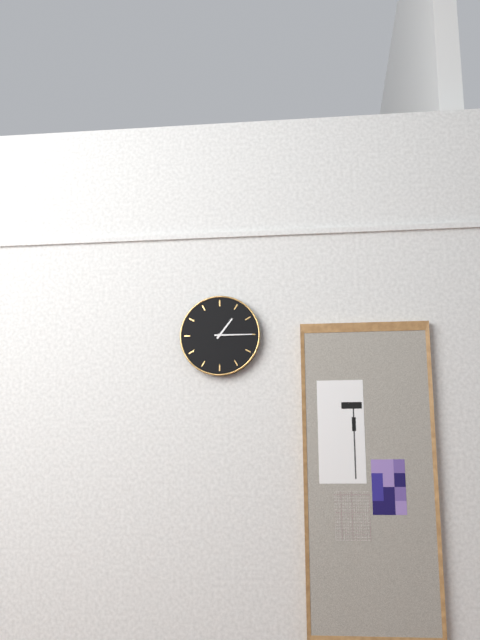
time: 1:15
